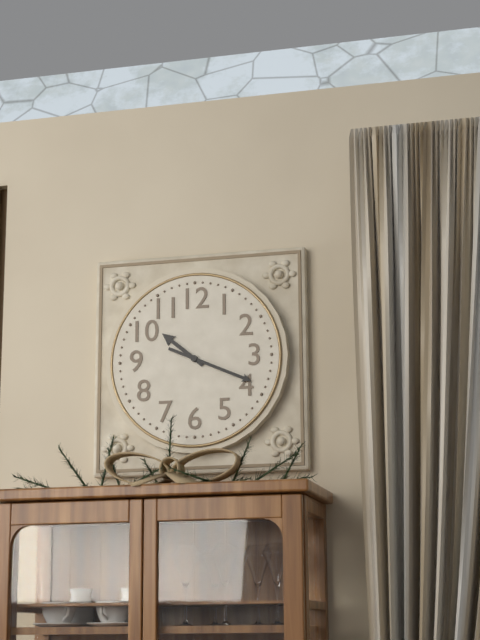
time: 10:19
